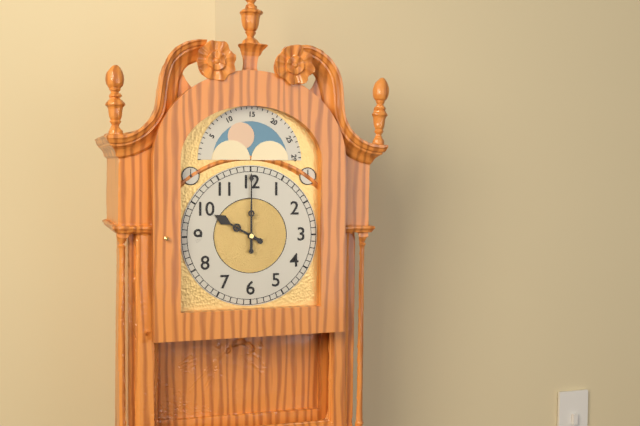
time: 10:00
